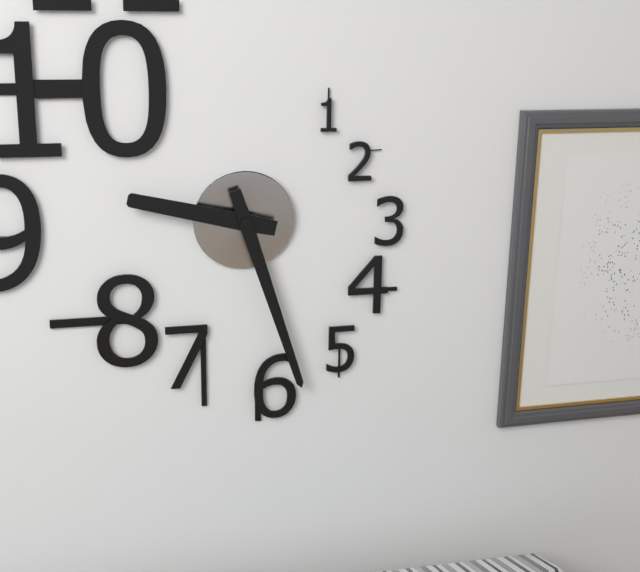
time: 9:27
